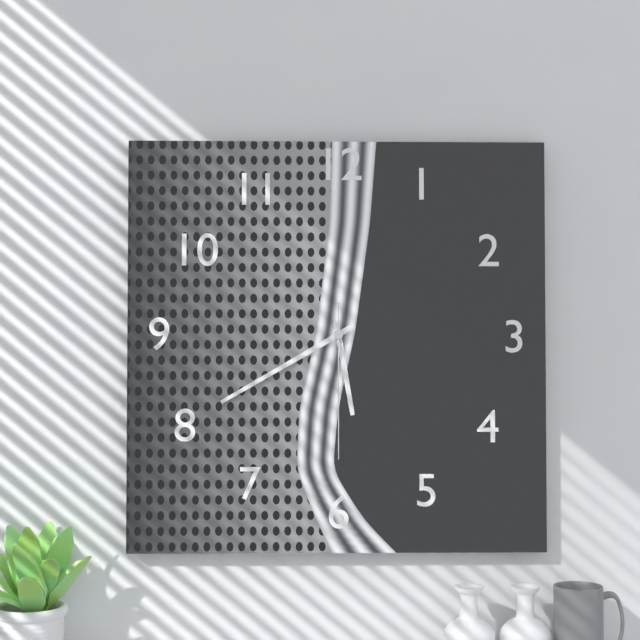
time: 5:40:30
